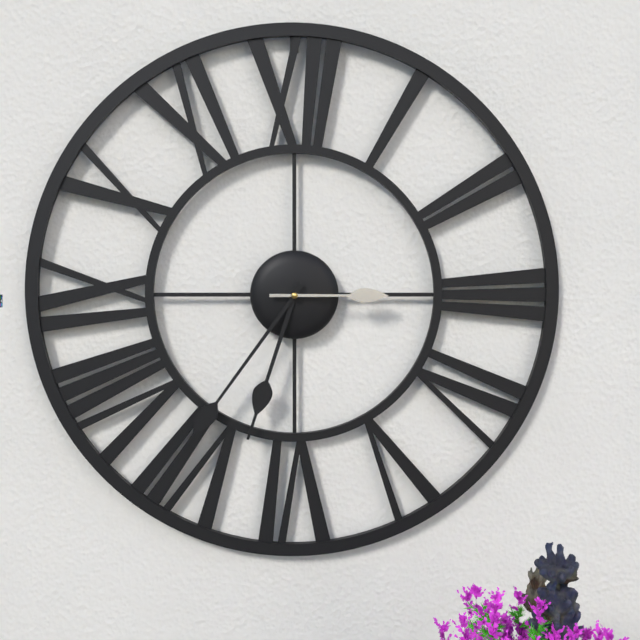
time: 6:36:15
